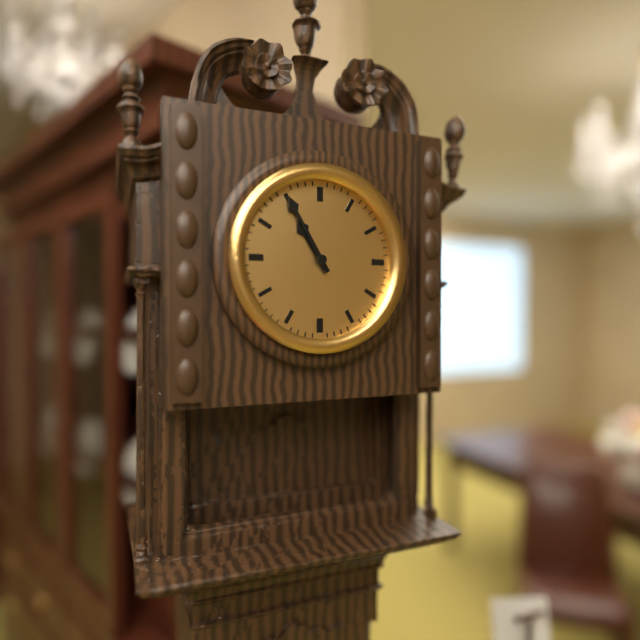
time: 10:55
